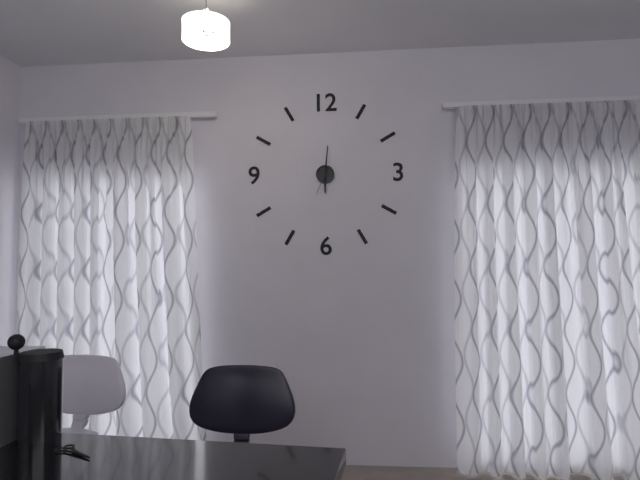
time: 6:01
